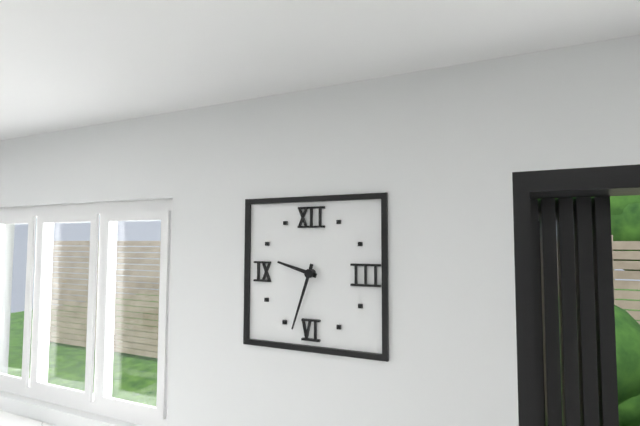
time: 9:33
